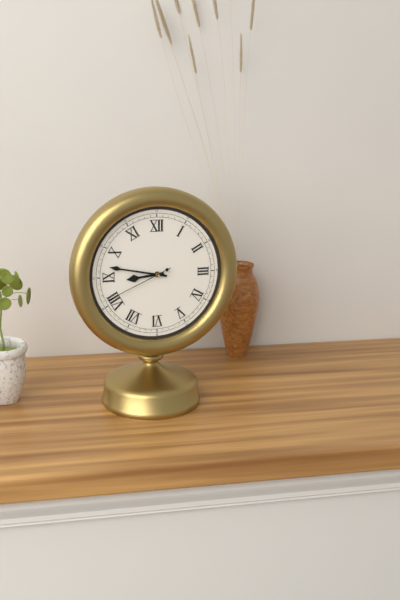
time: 8:47:41
